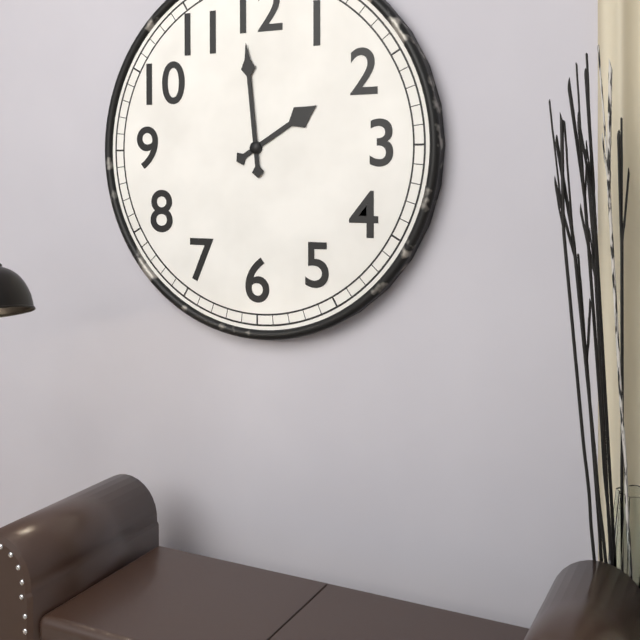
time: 1:59
